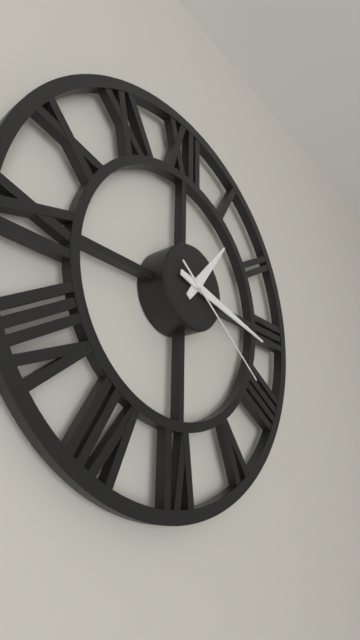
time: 1:17:21
